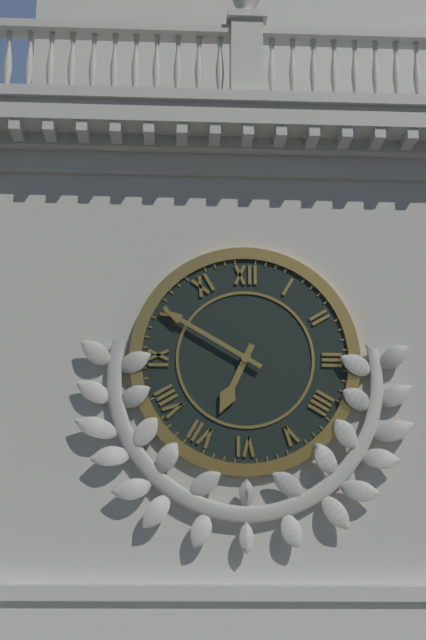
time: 6:50
